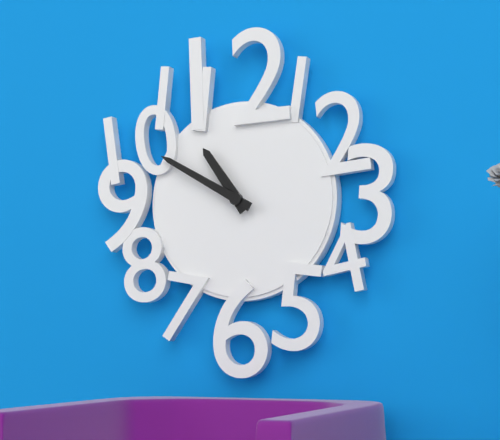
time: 10:50
